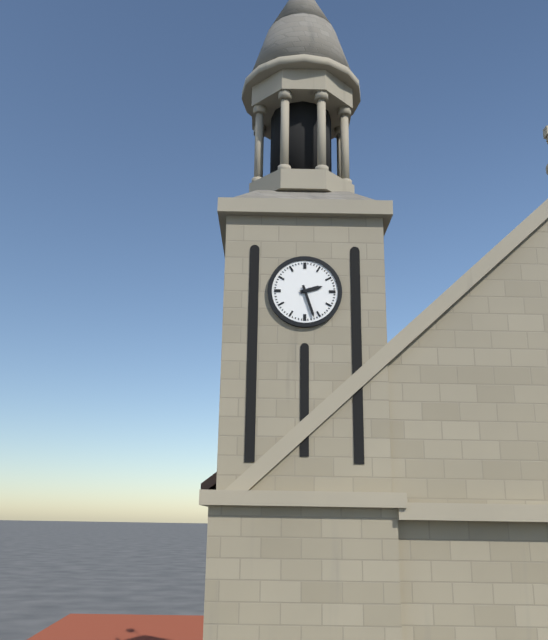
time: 2:27
